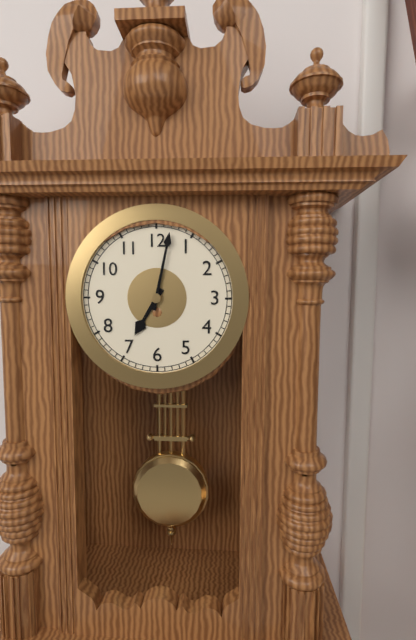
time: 7:02
